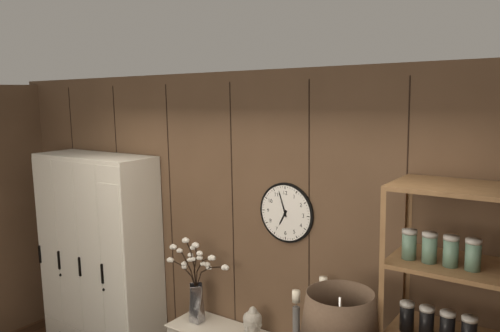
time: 6:57
